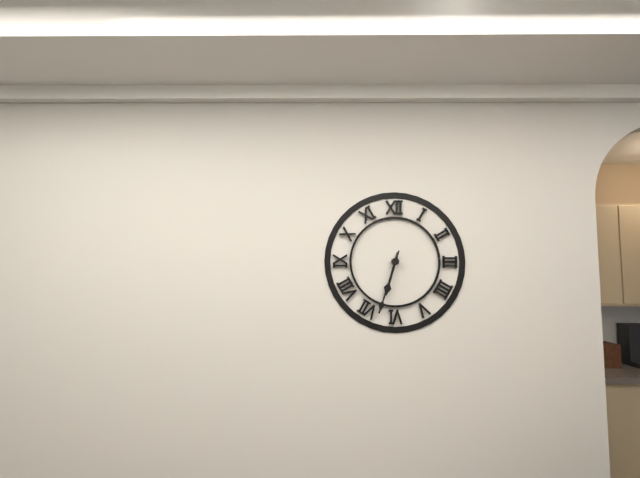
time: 6:33
